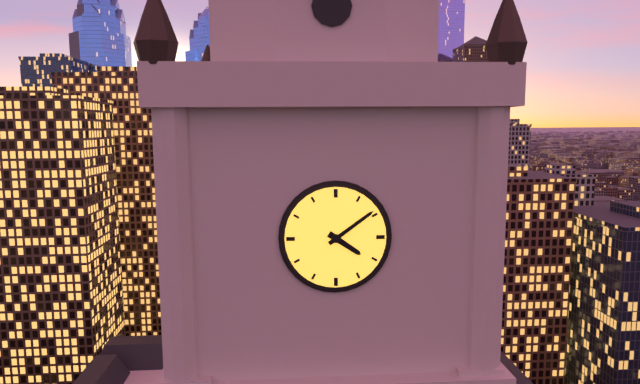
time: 4:09
